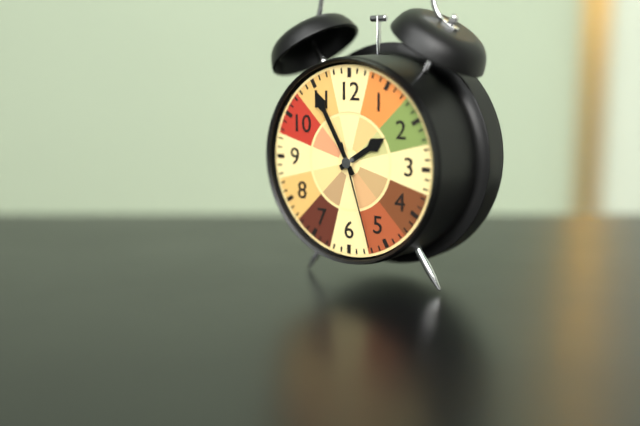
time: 1:55:27
